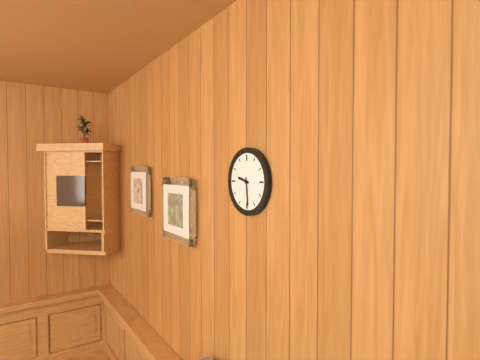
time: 9:29
